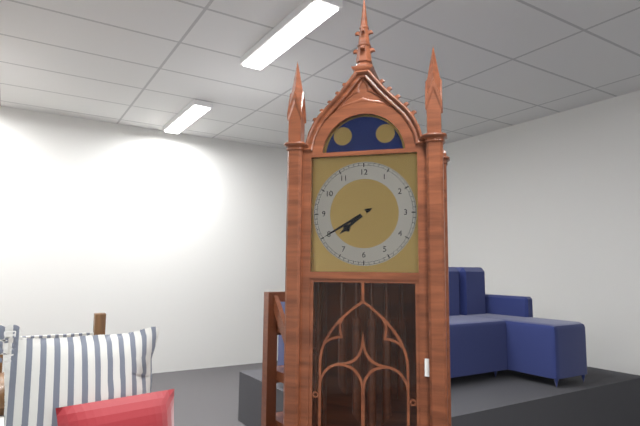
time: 7:40
